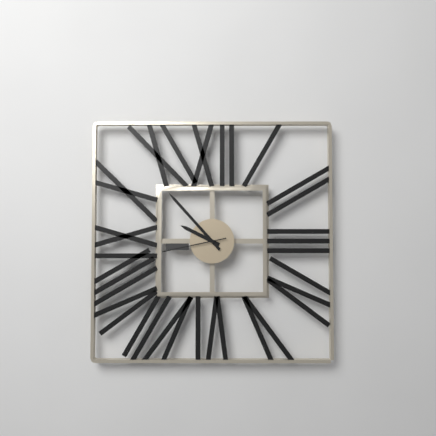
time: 9:53:43
